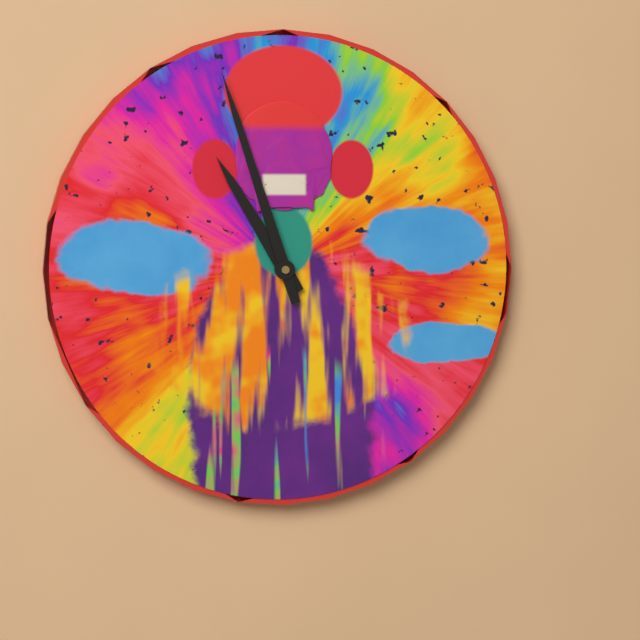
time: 10:57
